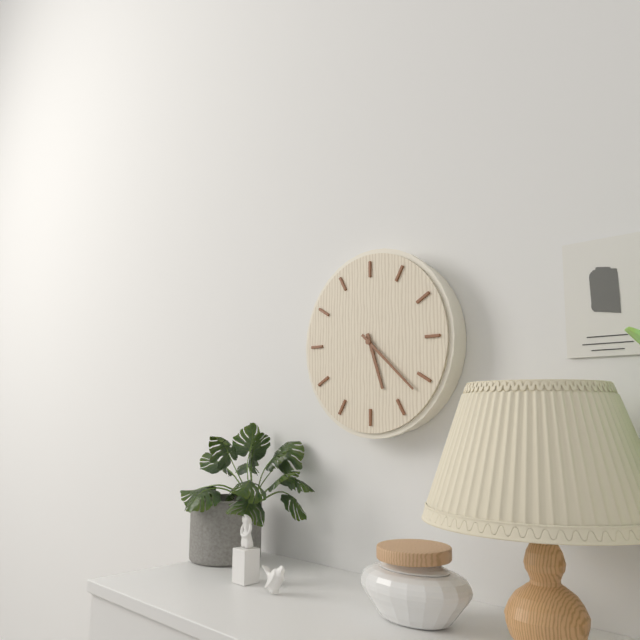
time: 5:22
